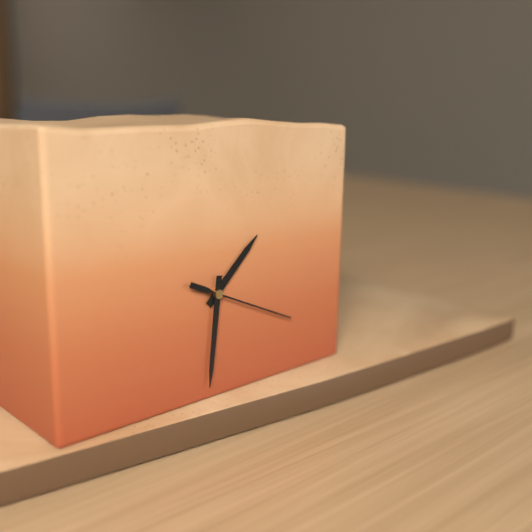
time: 1:31:19
